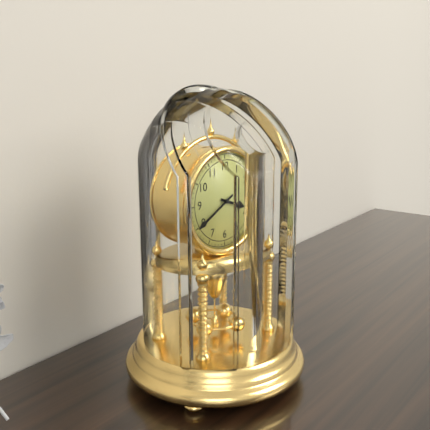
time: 3:40
